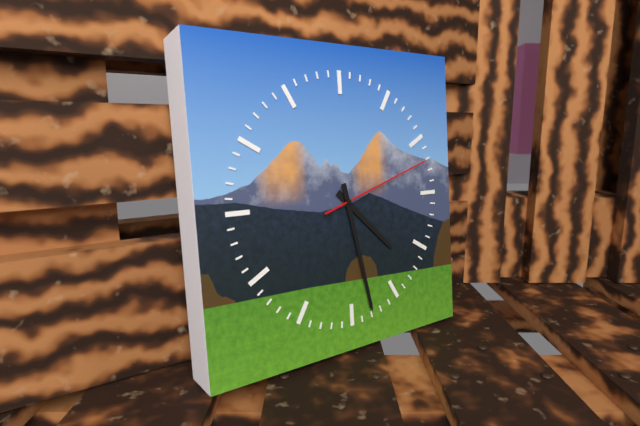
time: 4:28:12
